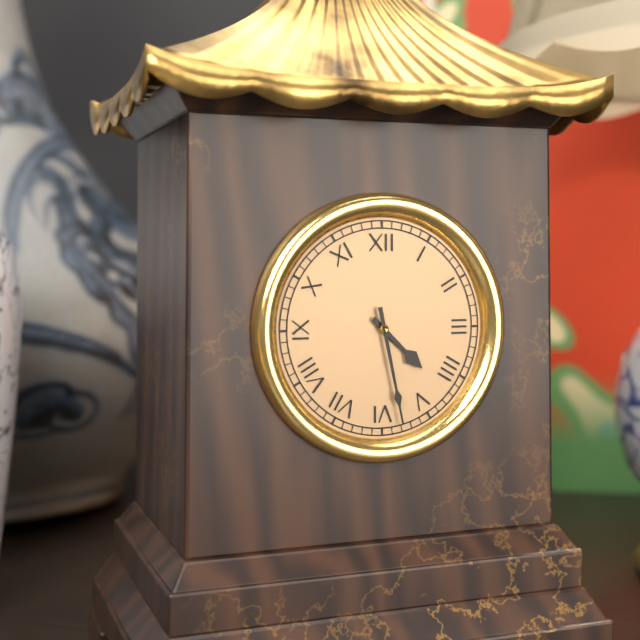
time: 4:28
